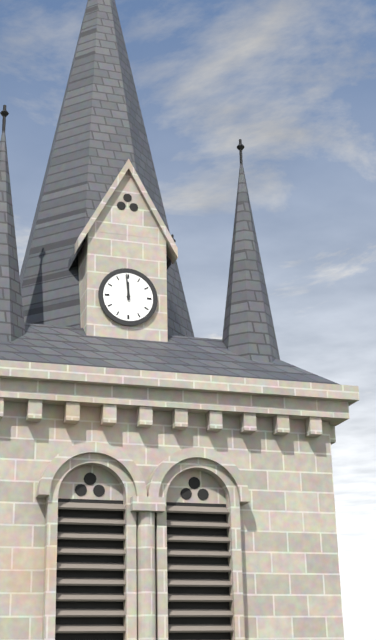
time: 11:59
